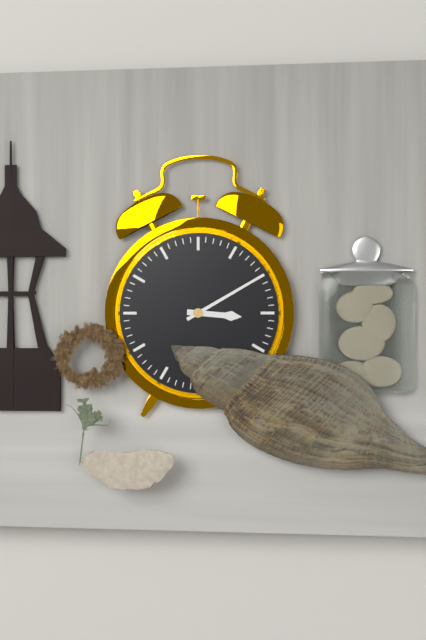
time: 3:10
